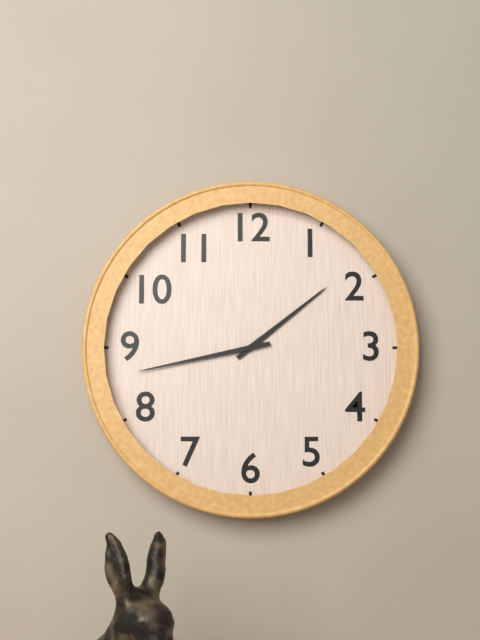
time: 1:43
